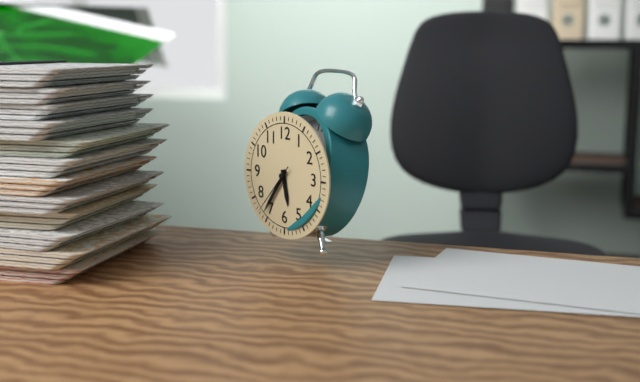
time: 5:36:37
